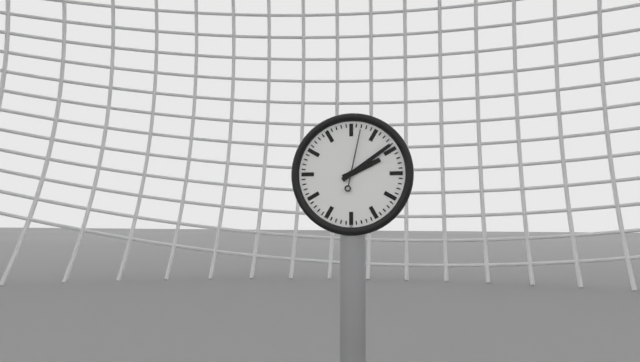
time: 2:09:02
